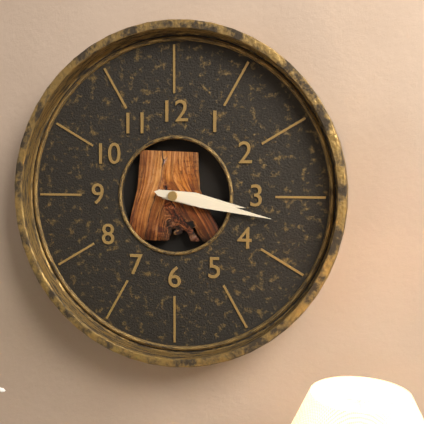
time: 3:17
